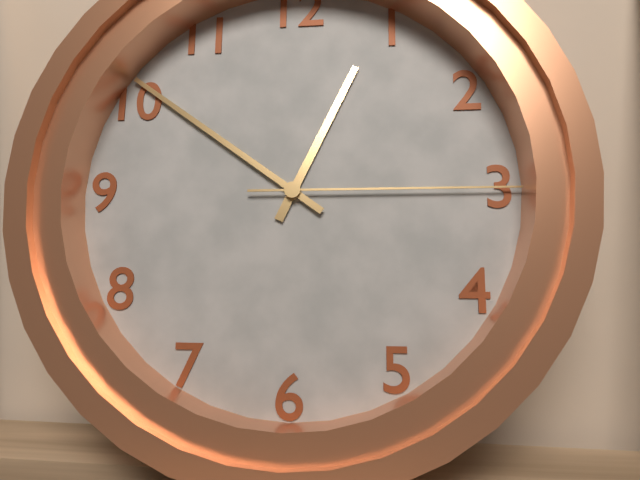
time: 12:51:15
